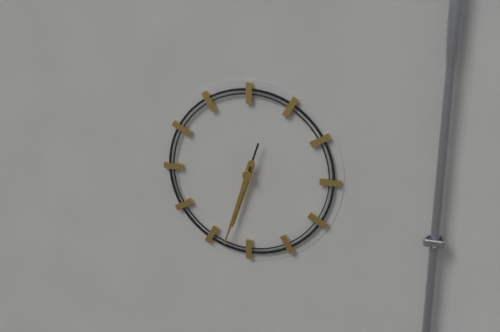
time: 6:33
